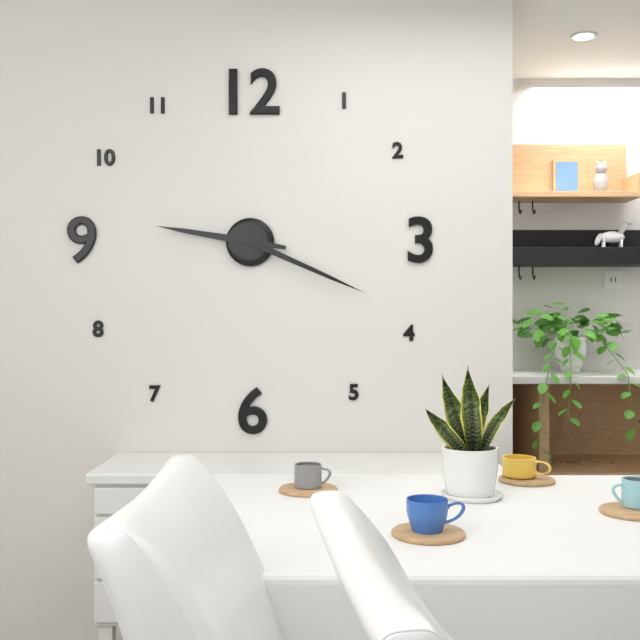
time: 9:19
